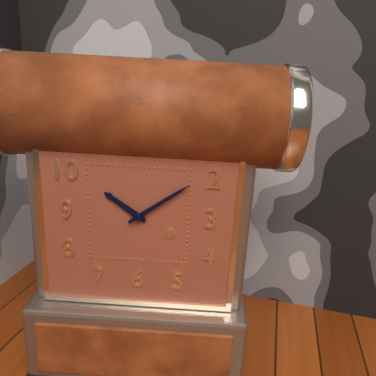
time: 10:09
